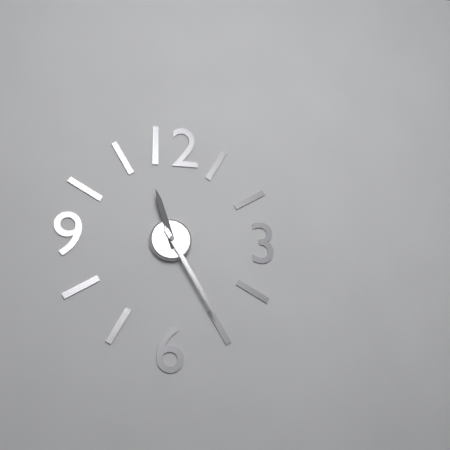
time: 11:25:25
